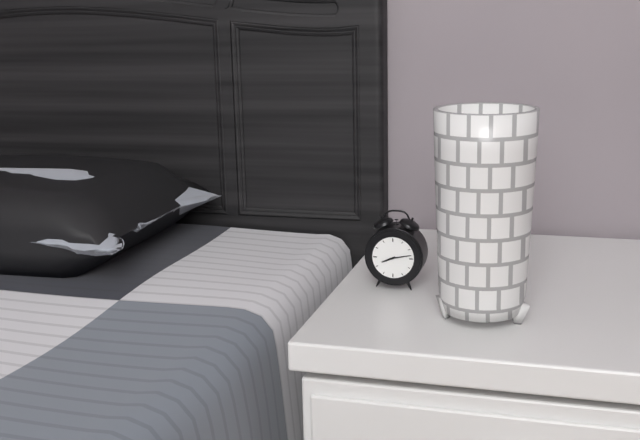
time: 8:13
